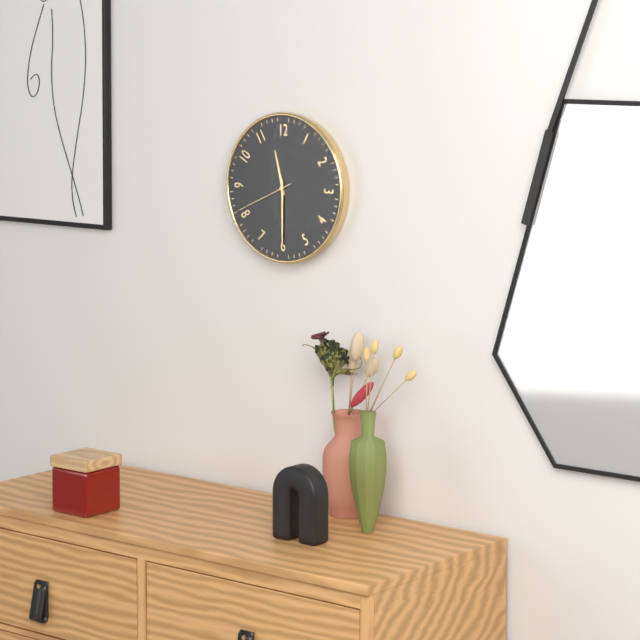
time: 11:30:41
